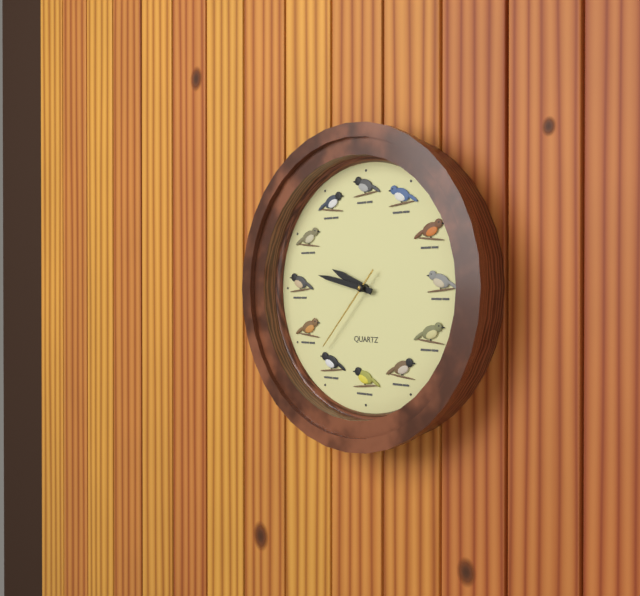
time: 9:47:37
